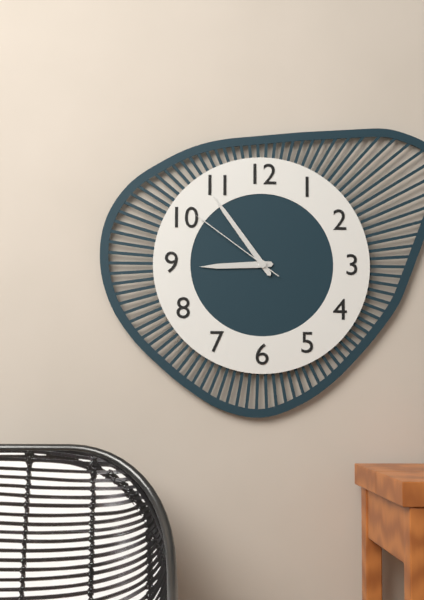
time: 8:54:51
